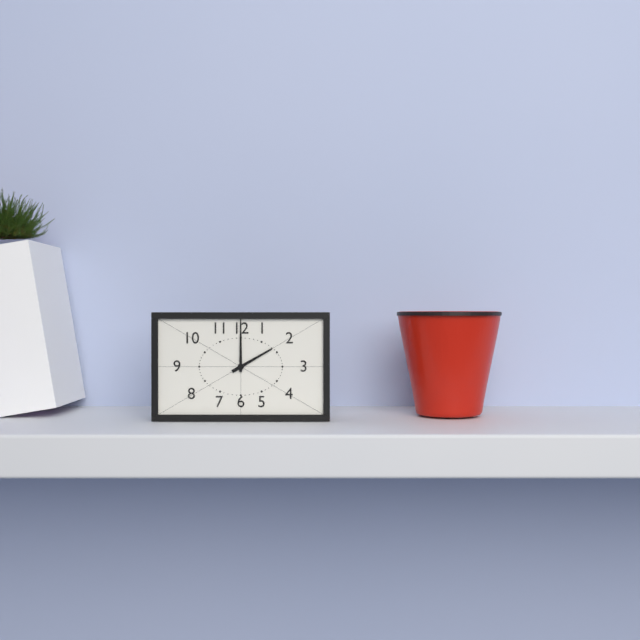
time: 2:00
